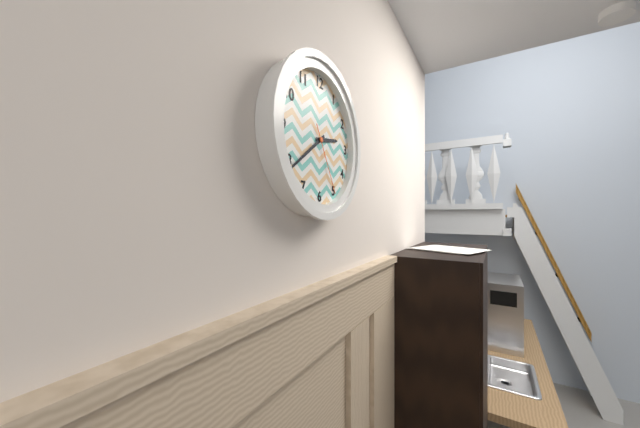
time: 2:39:25
